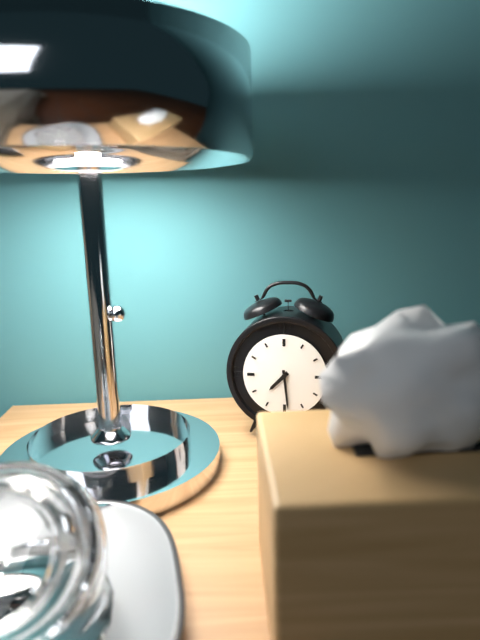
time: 7:29
